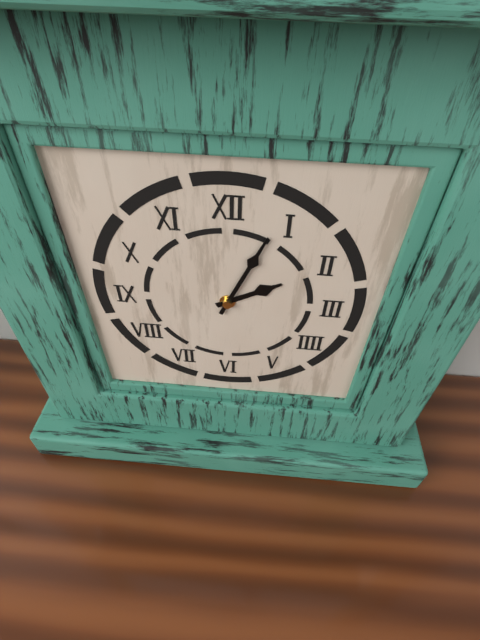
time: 2:04
